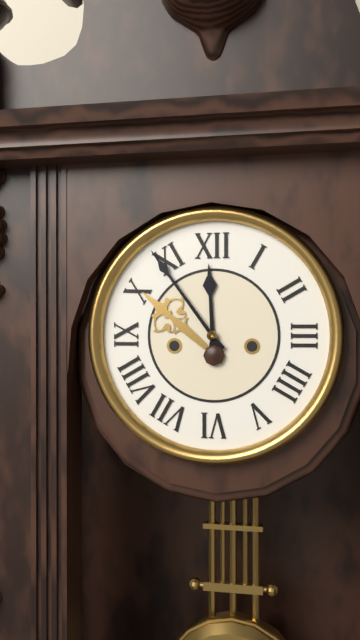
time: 11:54
